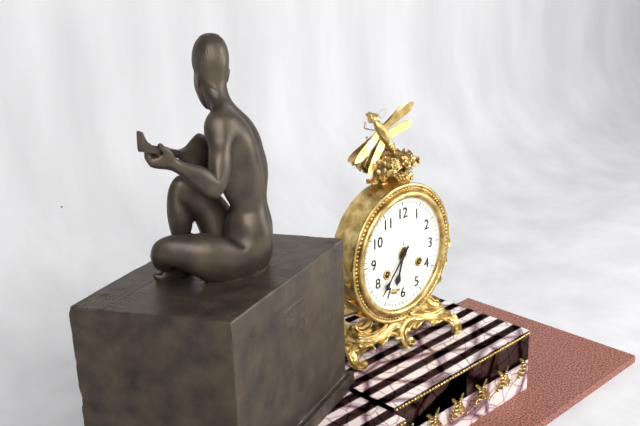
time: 6:37
